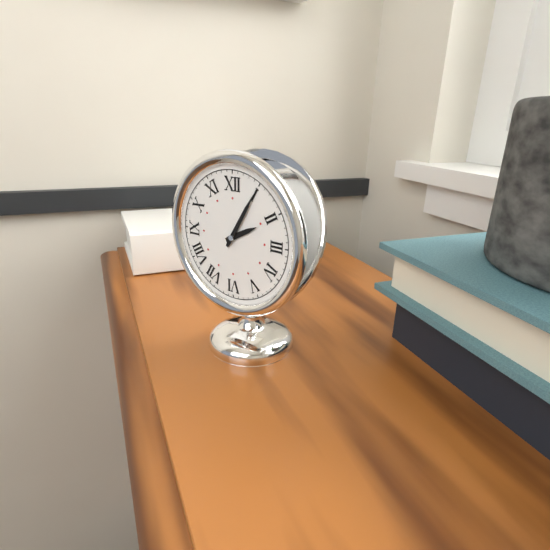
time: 2:05
